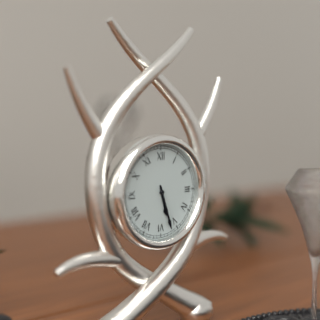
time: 5:27
